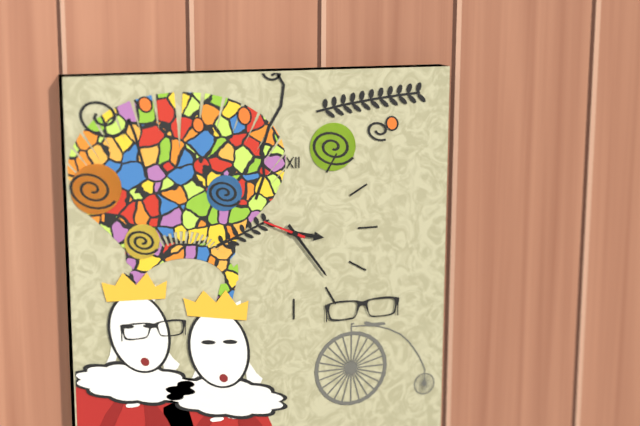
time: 3:24
